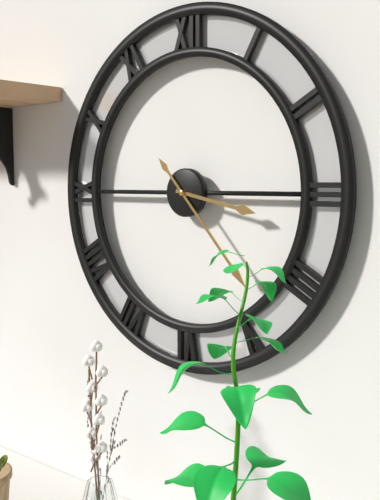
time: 3:23
